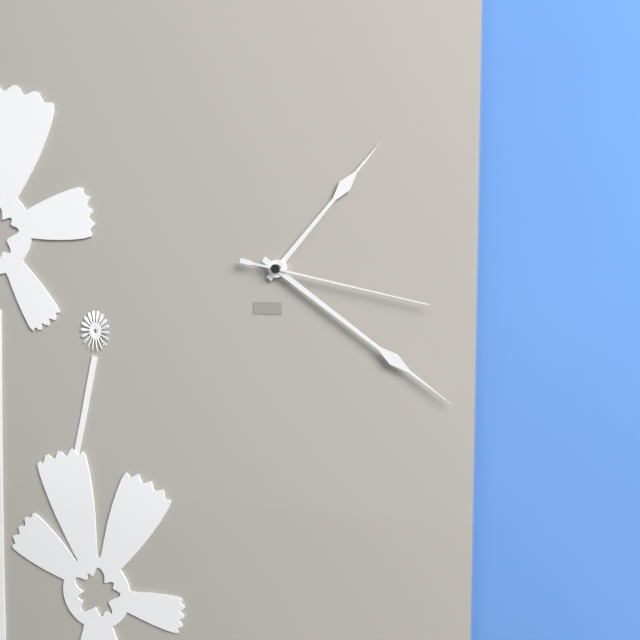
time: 1:21:17
